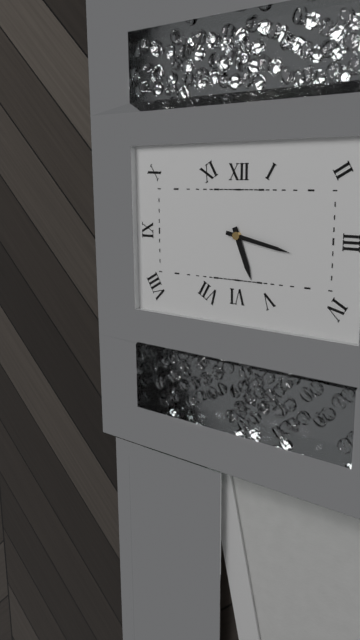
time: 5:17
